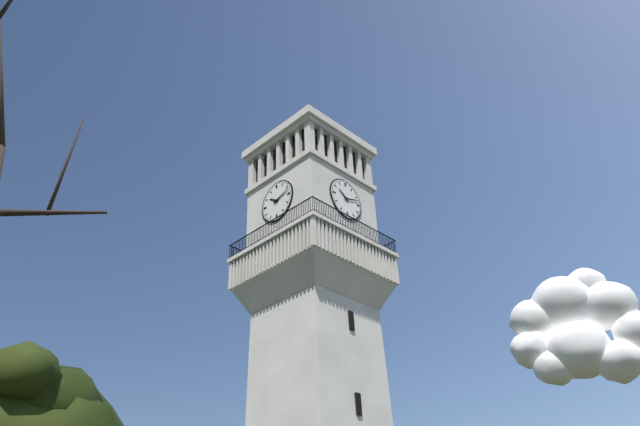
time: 10:12
